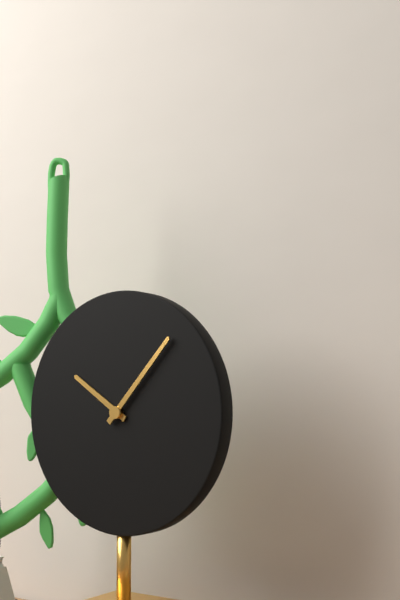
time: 10:07
